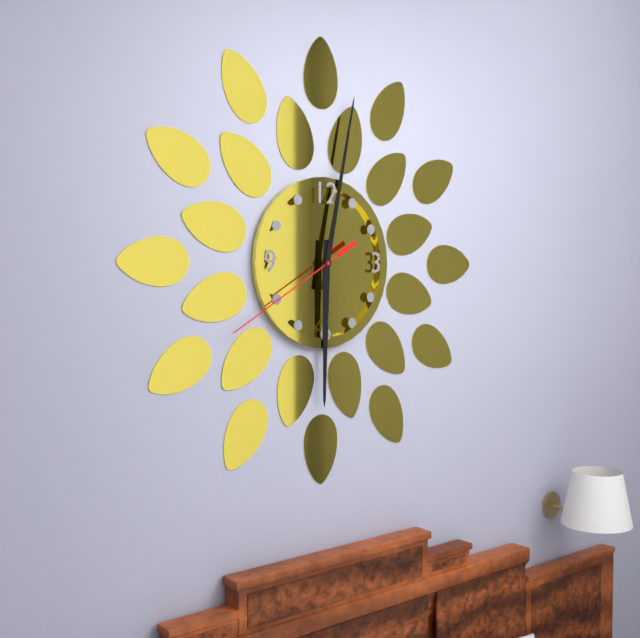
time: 6:02:40
